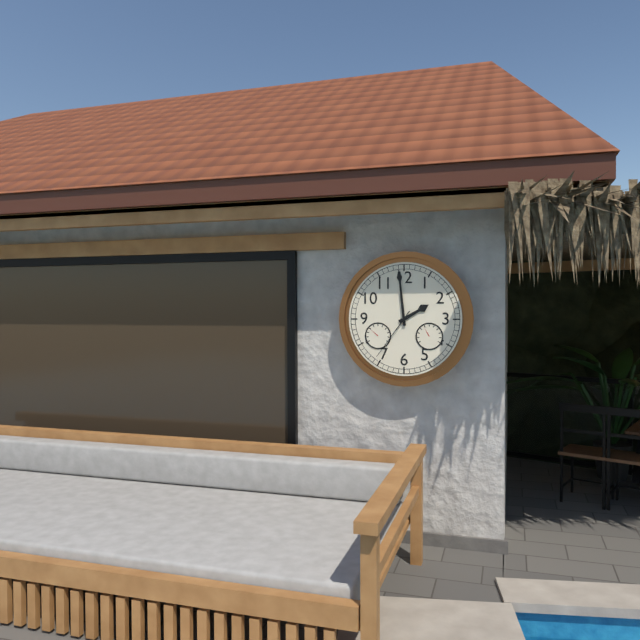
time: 1:59:36
